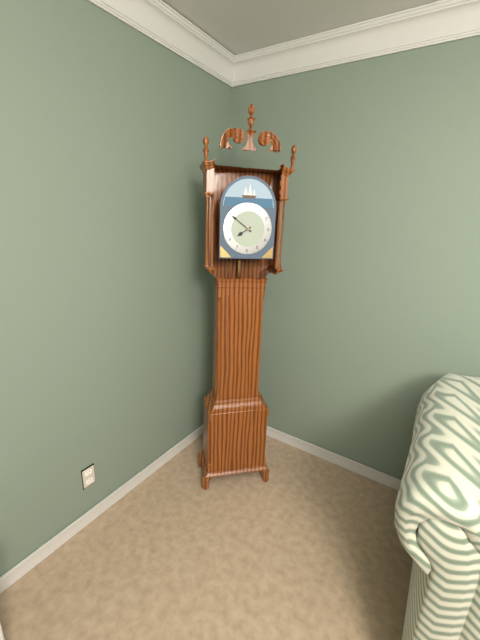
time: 7:51
